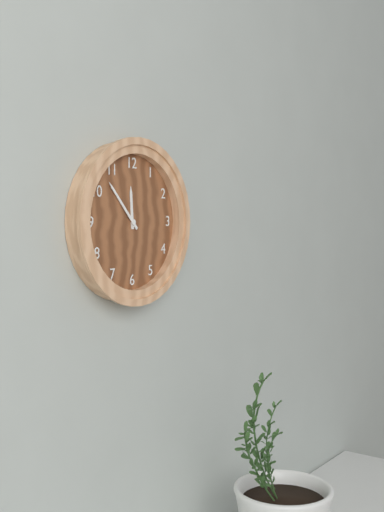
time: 11:53
